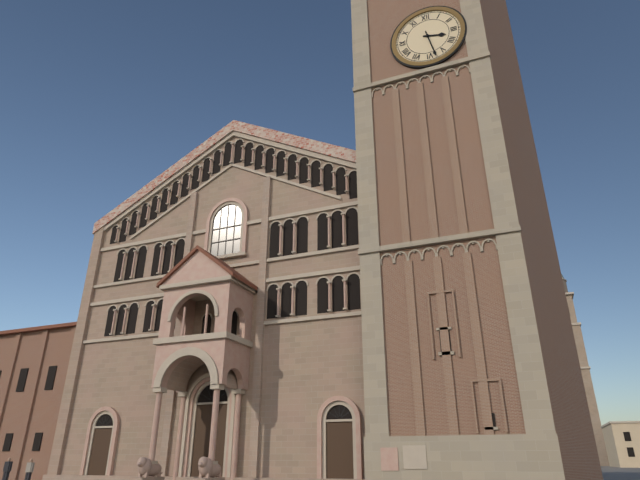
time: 3:28
